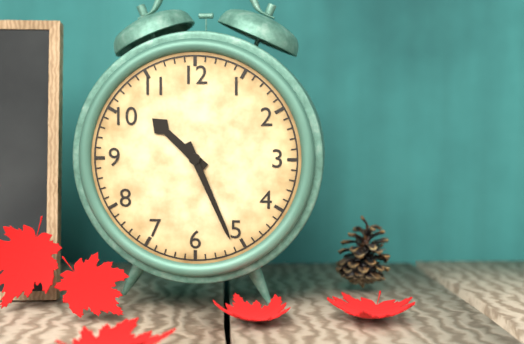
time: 10:26
